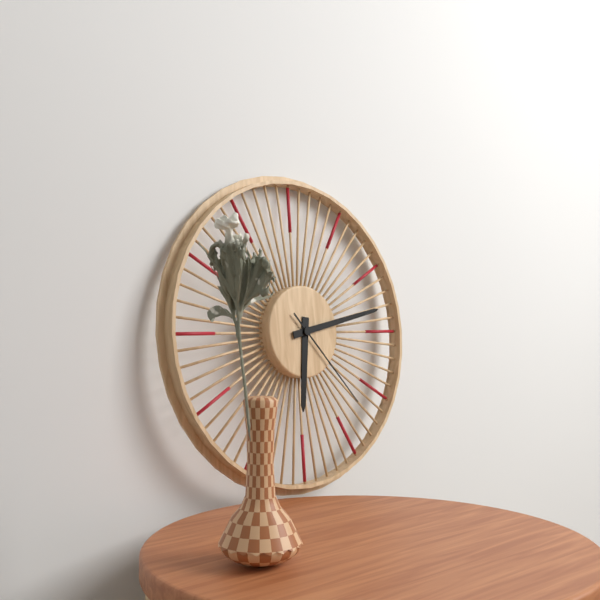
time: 6:13:23
